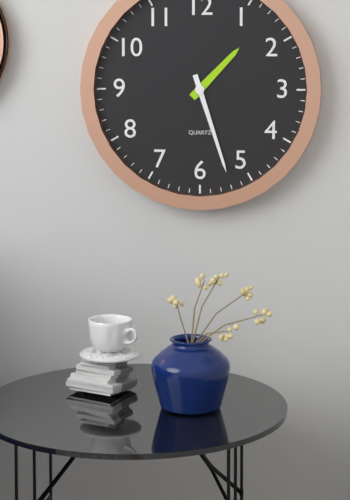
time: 1:27
